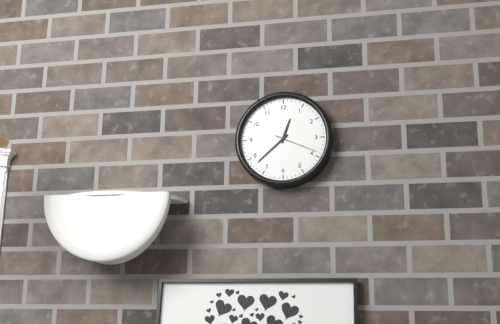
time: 12:38
